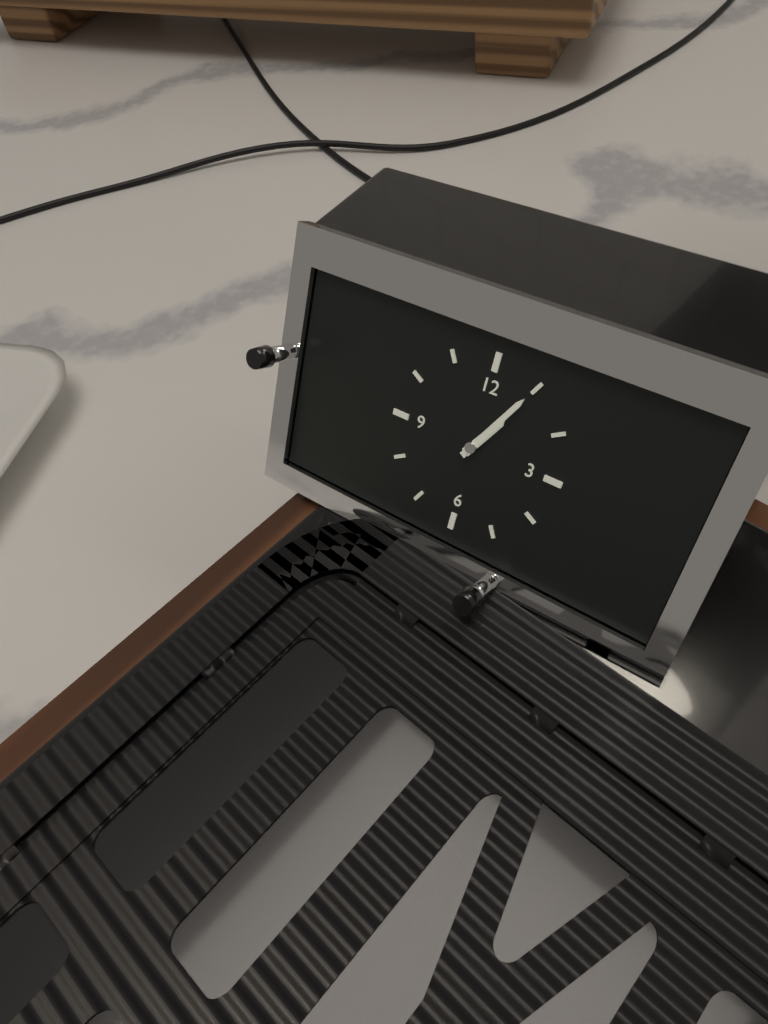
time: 1:05
